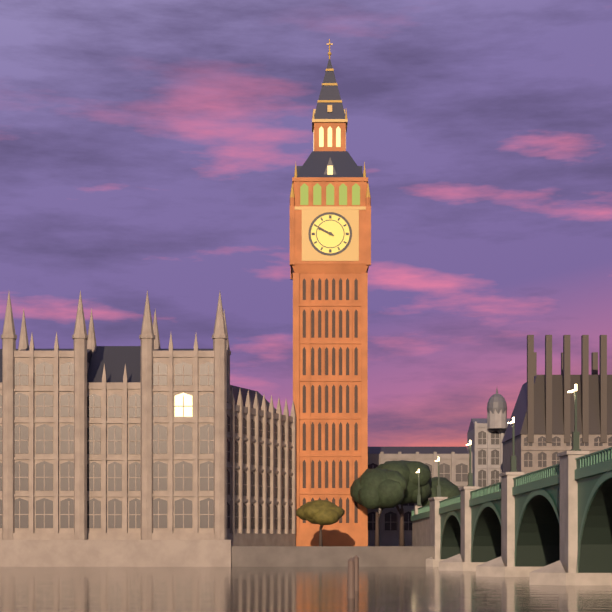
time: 9:50
